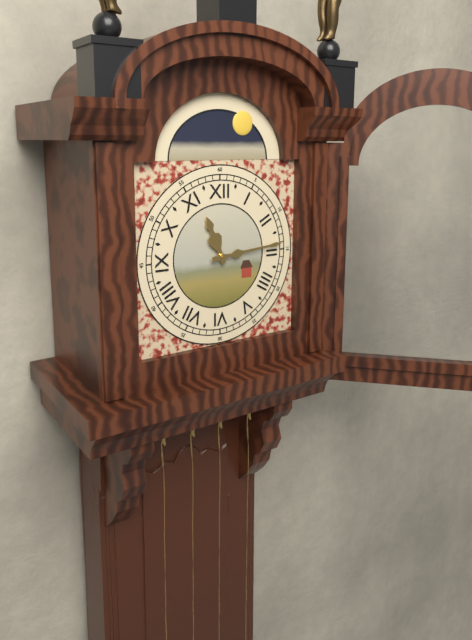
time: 11:14
